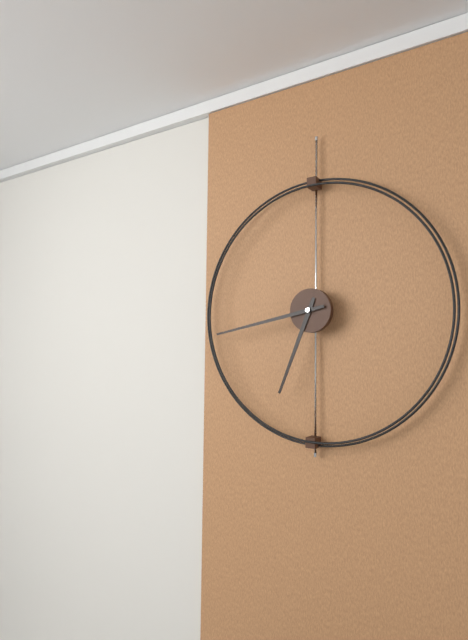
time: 6:43
